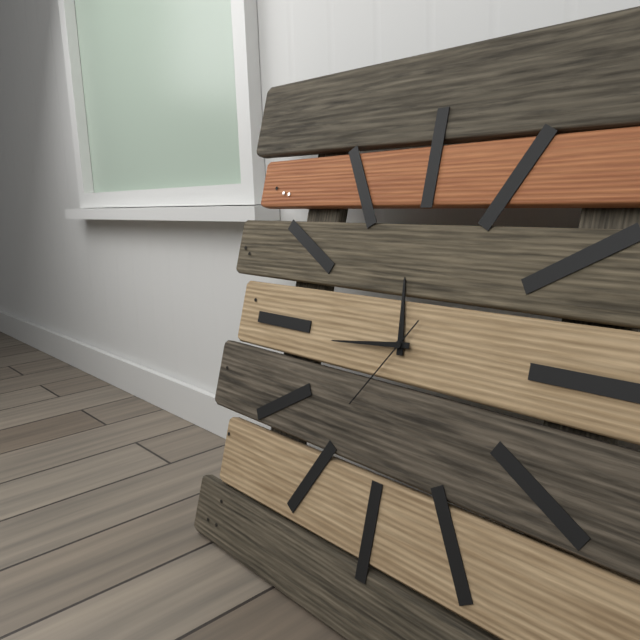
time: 11:44:36
